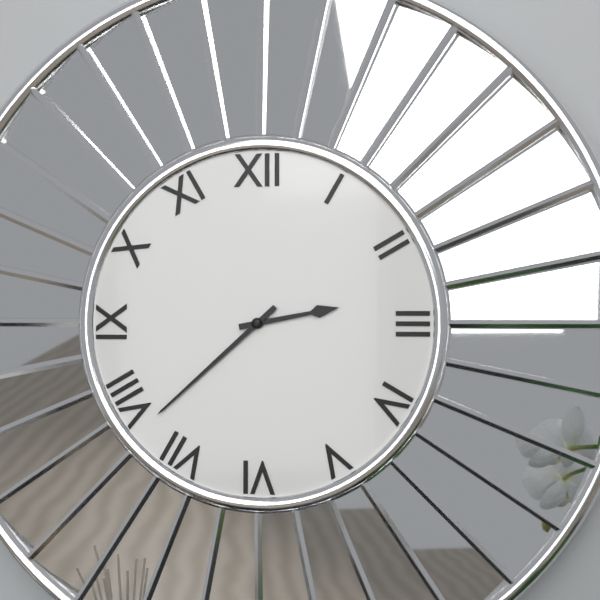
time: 2:38
